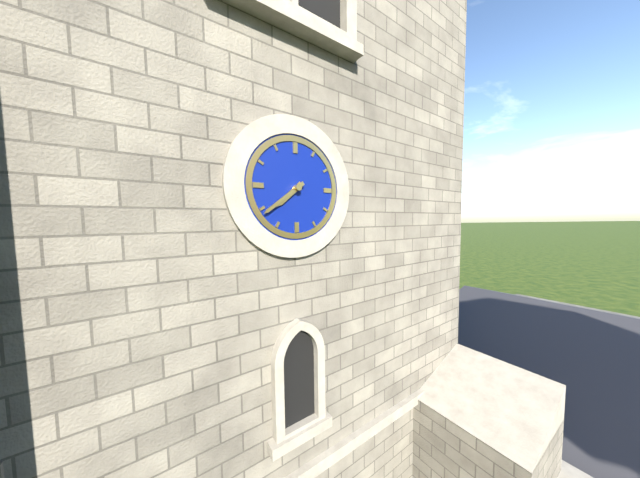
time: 7:39
